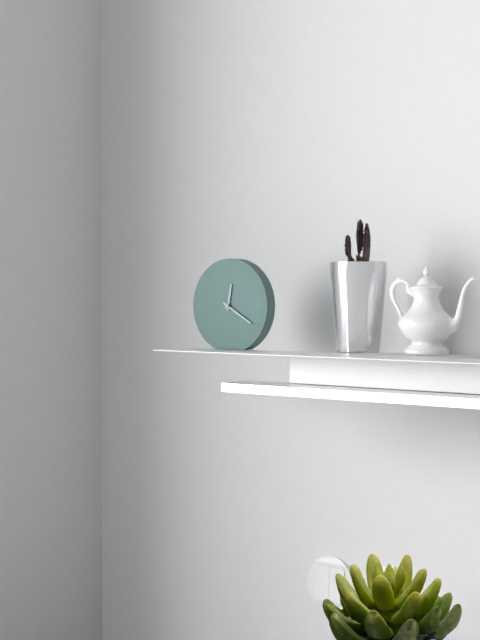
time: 12:20
